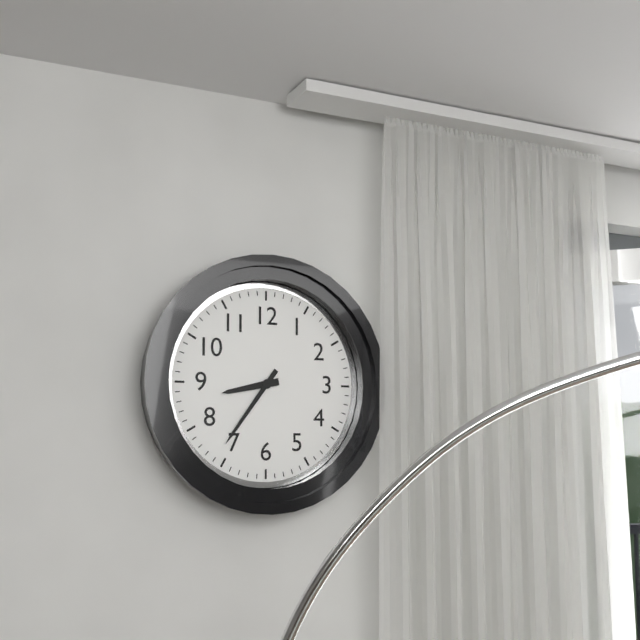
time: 8:36
